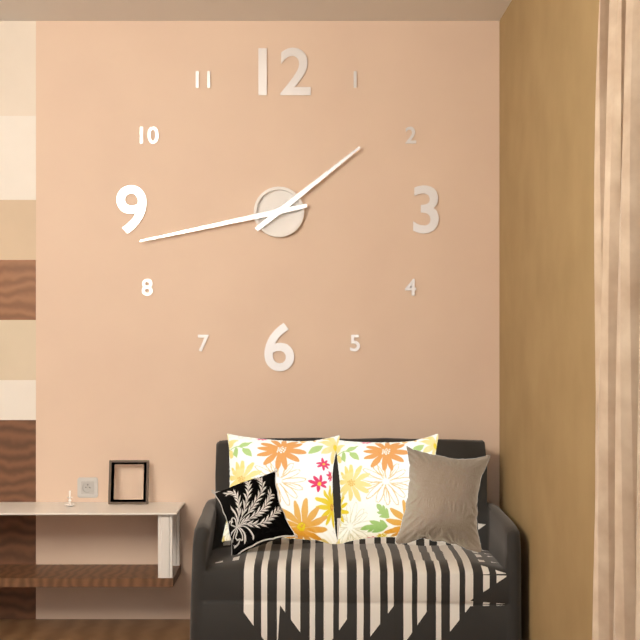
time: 1:43
